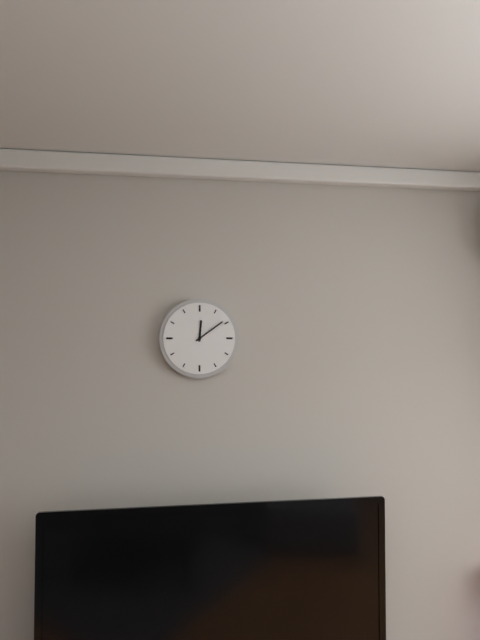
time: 12:09
